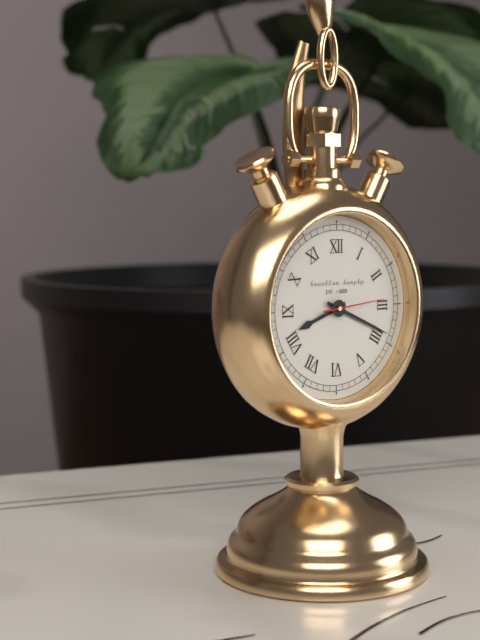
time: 8:19:14
